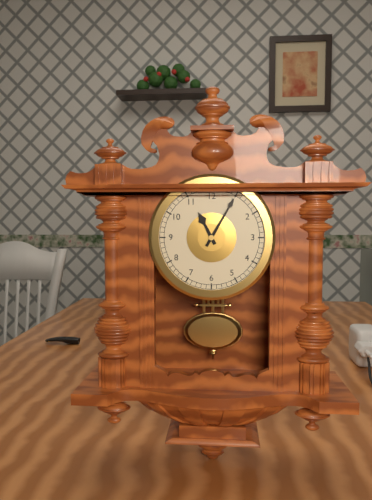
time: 11:05
